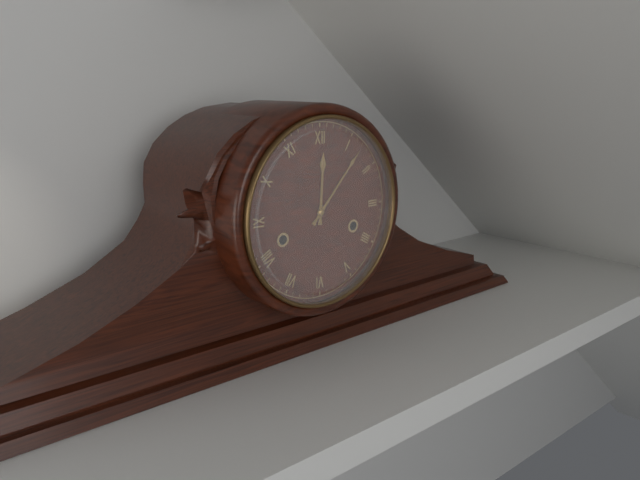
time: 12:07
